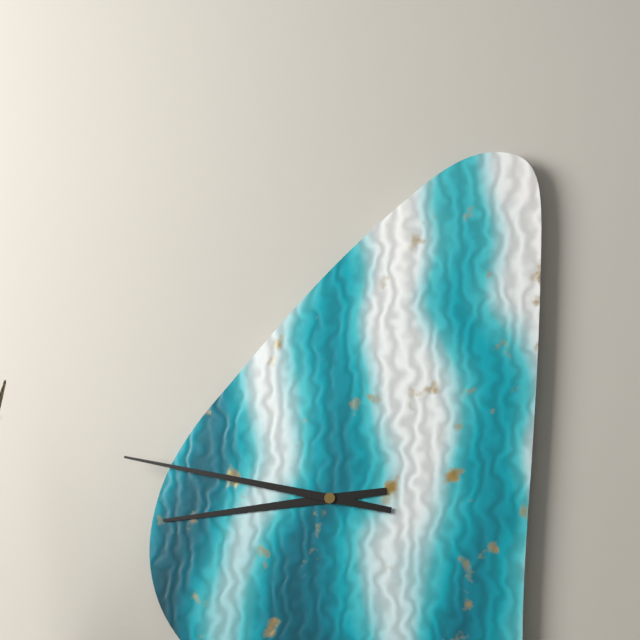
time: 8:47
